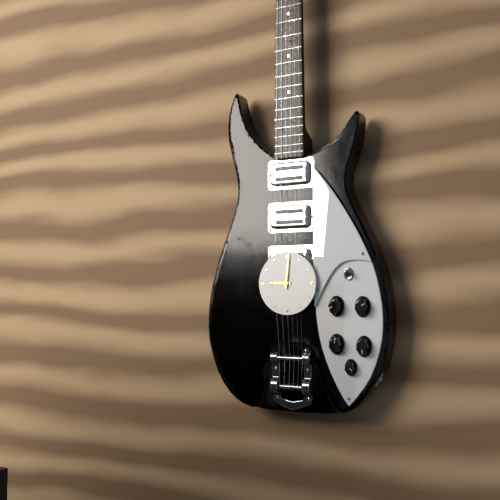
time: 9:01
